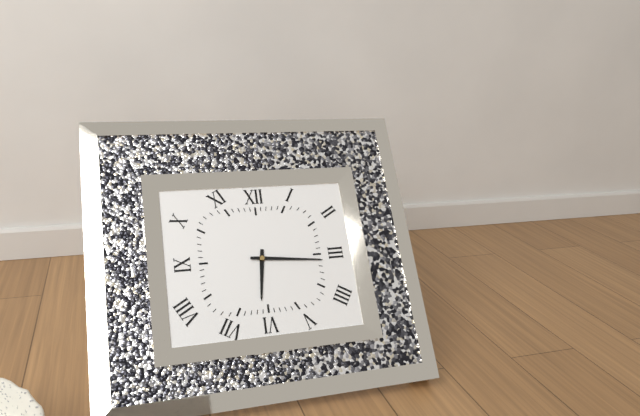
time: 6:16
